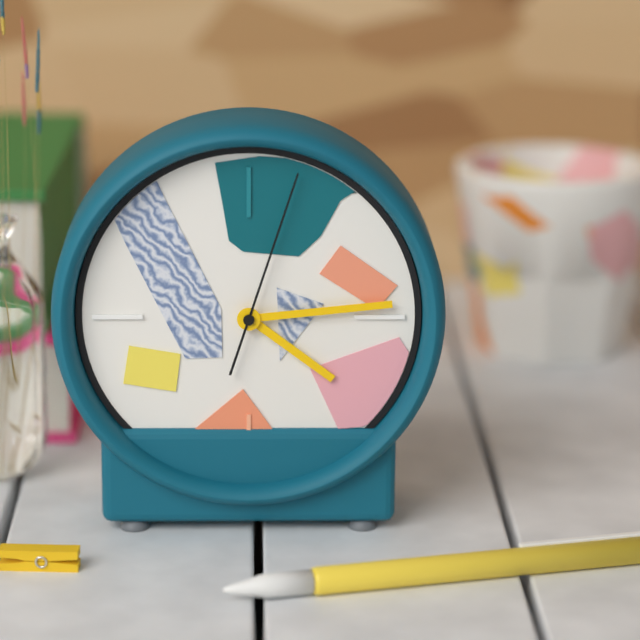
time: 4:14:03
